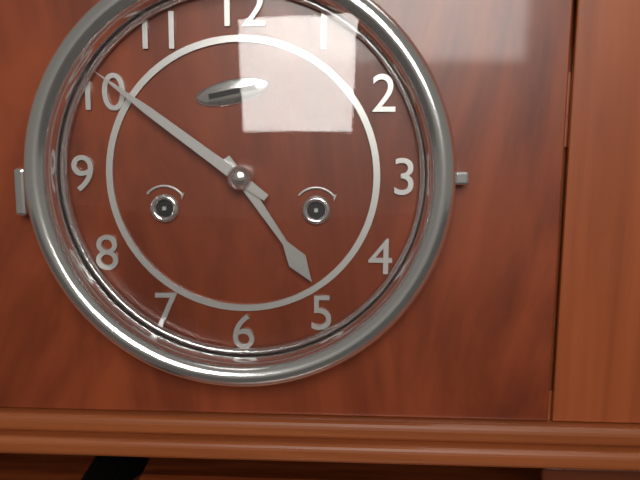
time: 4:51
